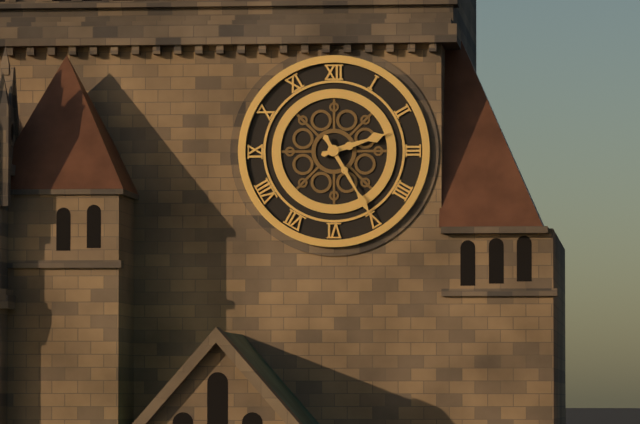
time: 2:25
